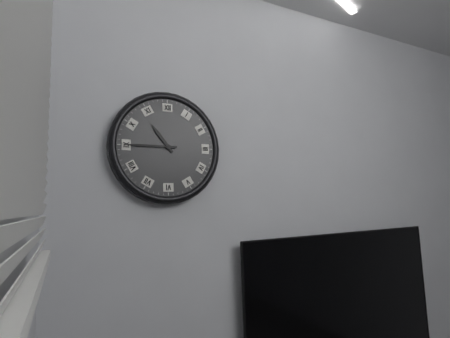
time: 10:45
